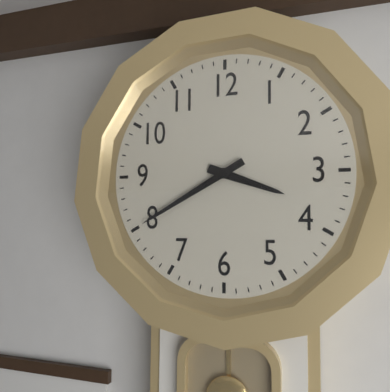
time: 3:40
